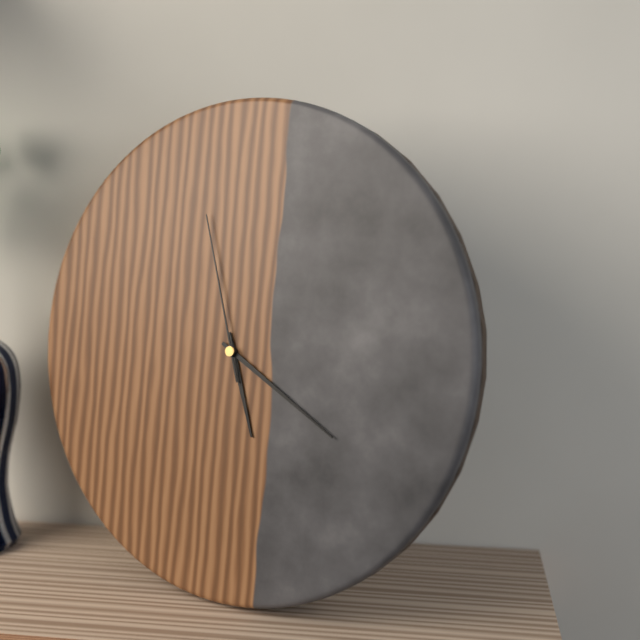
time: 5:20:57
